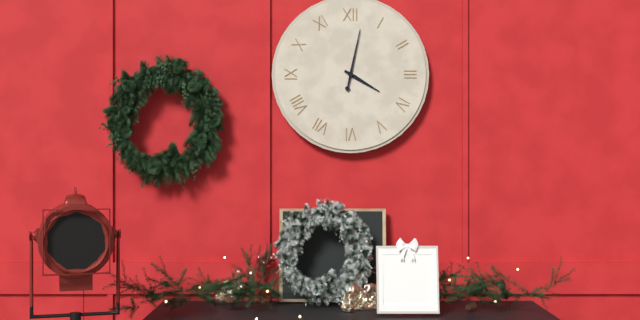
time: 4:02
